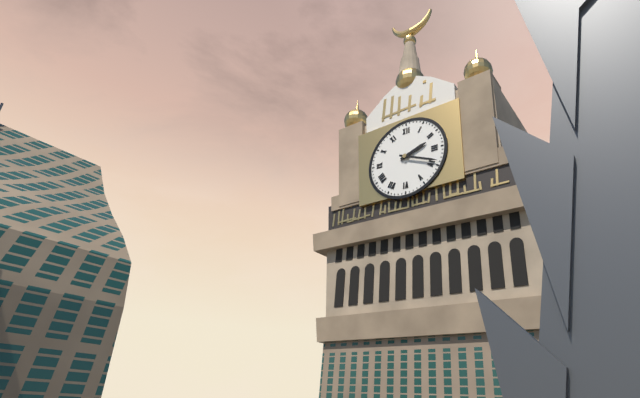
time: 2:19
